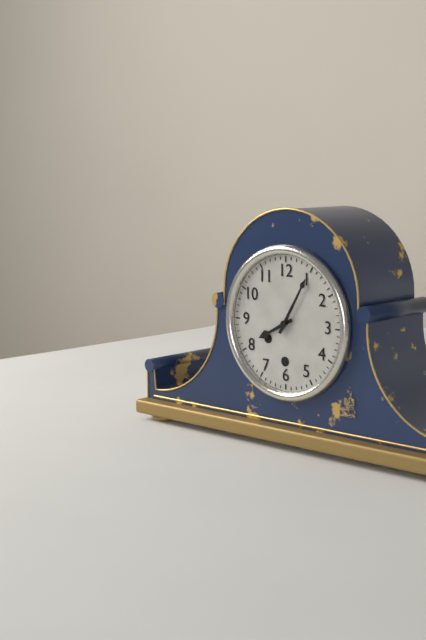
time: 8:05
